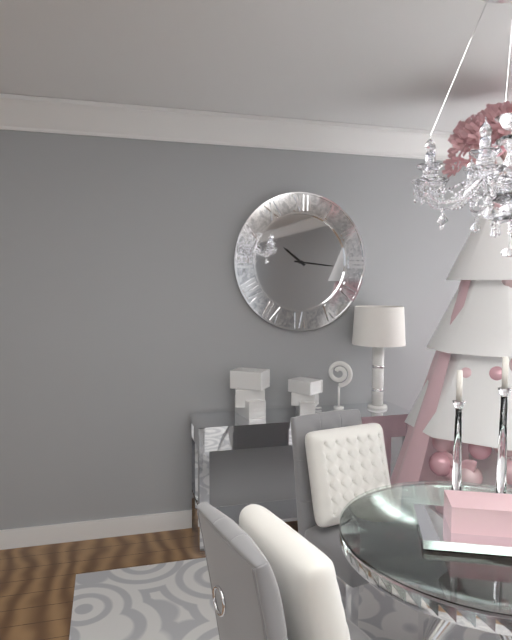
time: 10:16
